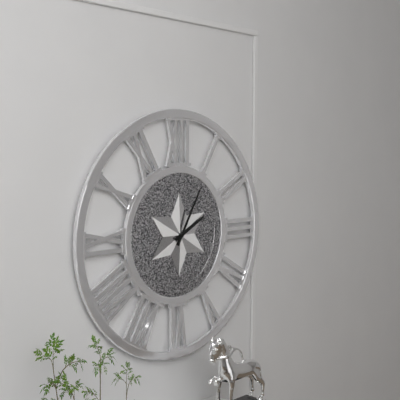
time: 2:05
